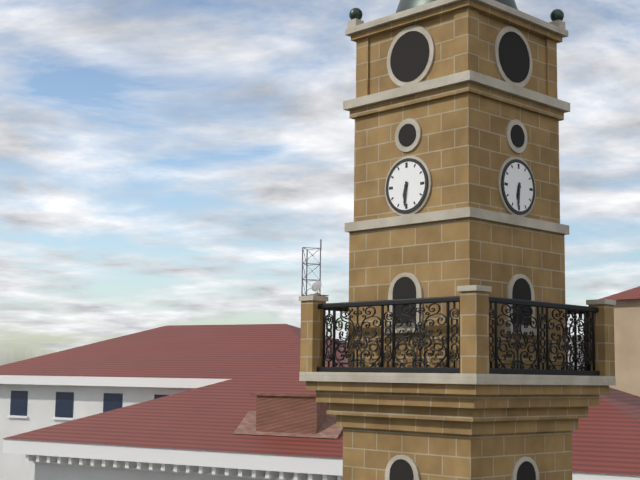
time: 6:31
